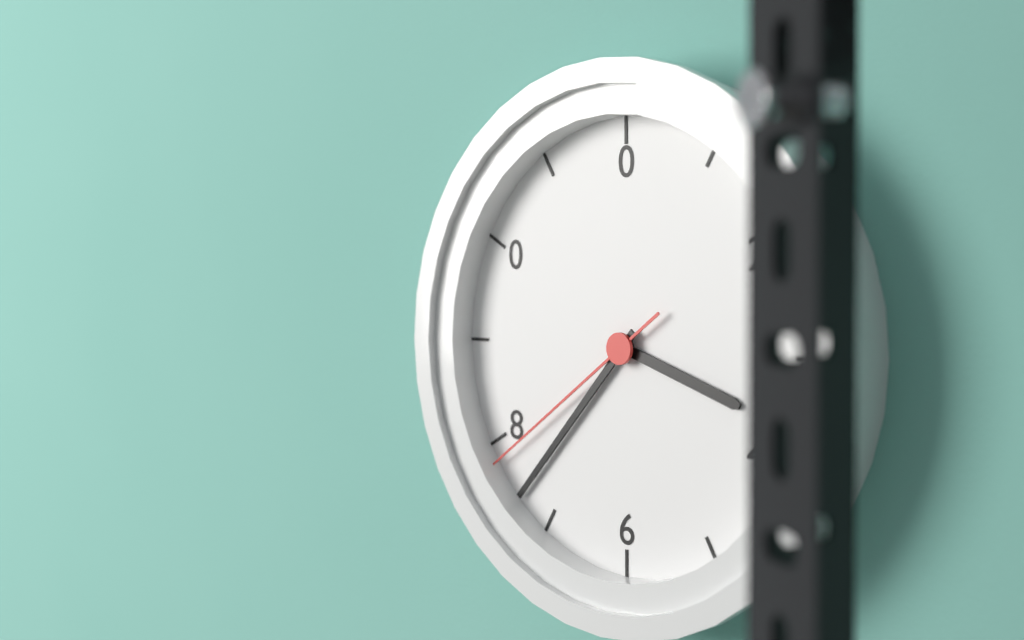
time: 3:37:39
